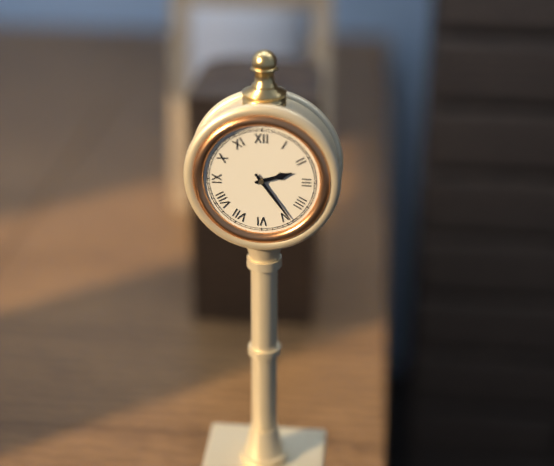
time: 2:24
